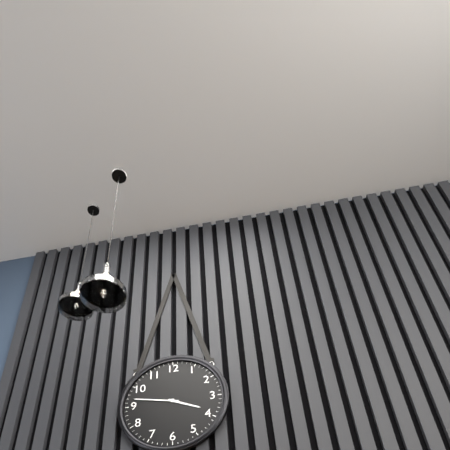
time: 3:47
